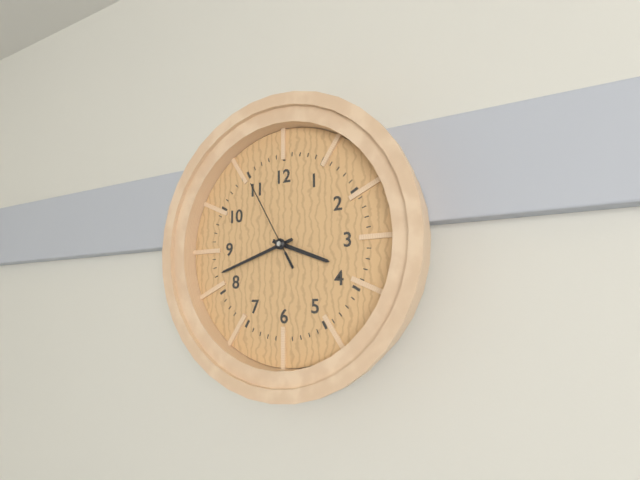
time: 3:42:55
